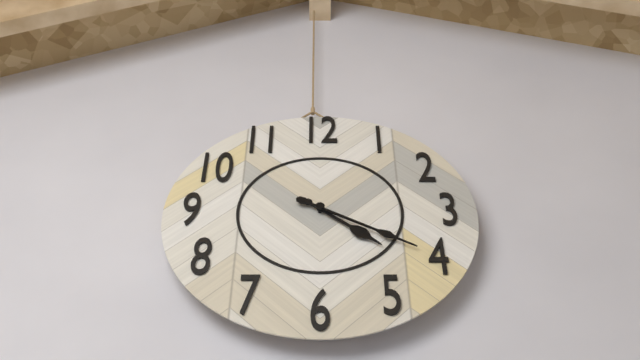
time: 4:20
